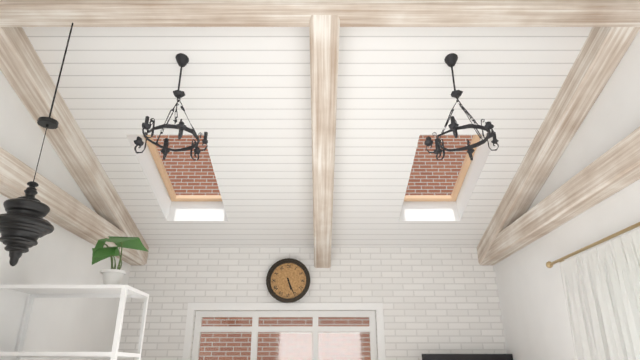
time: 5:26
